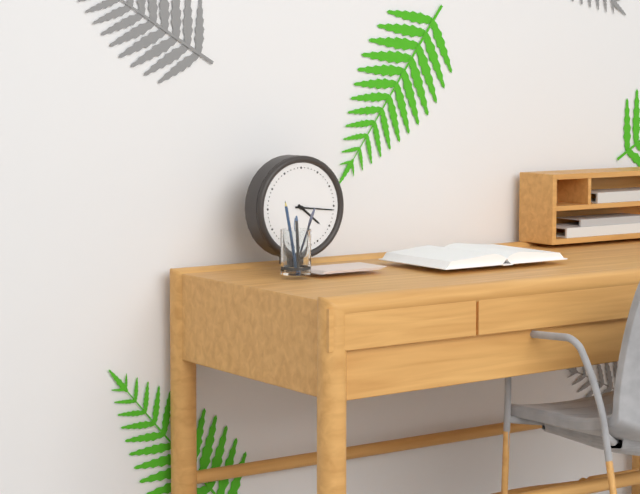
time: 4:16
